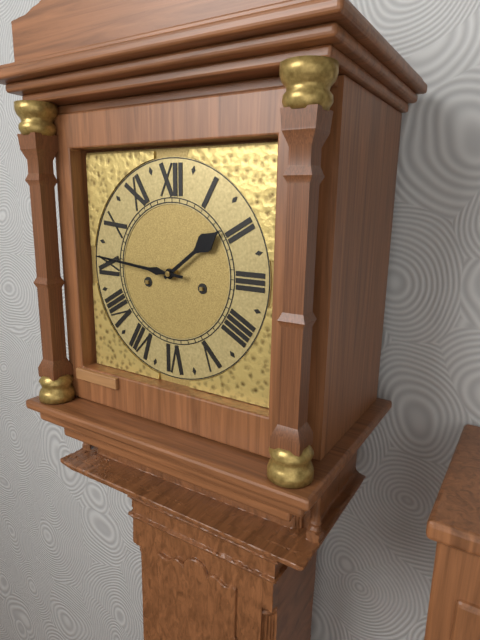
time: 1:46
